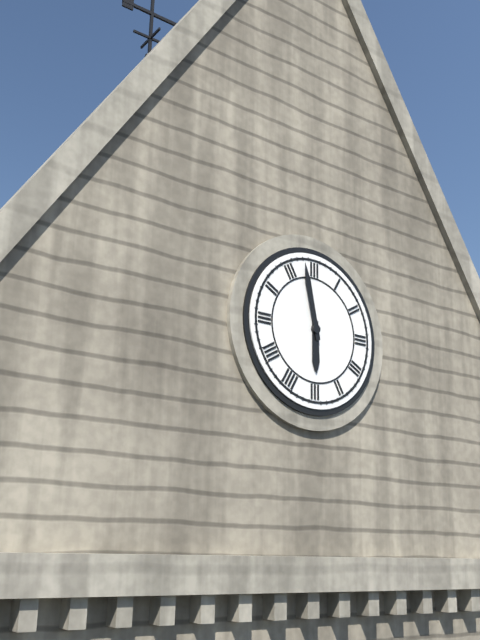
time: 5:58
